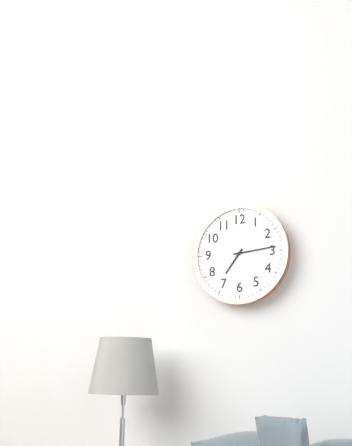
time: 7:14
